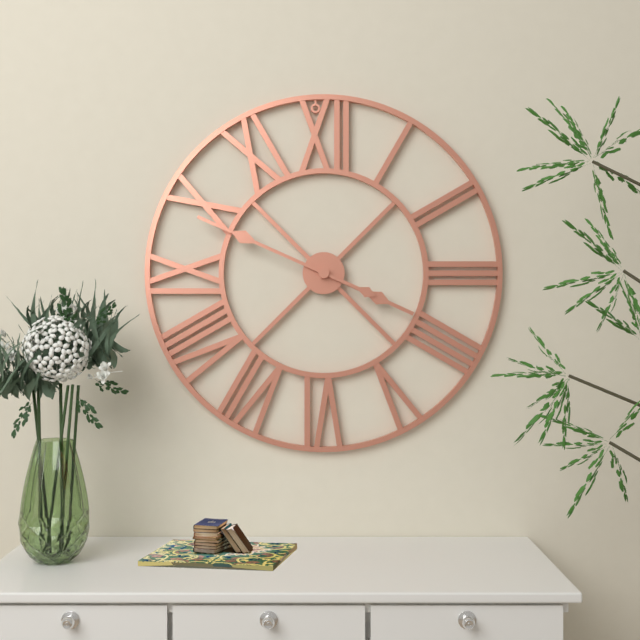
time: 3:49
